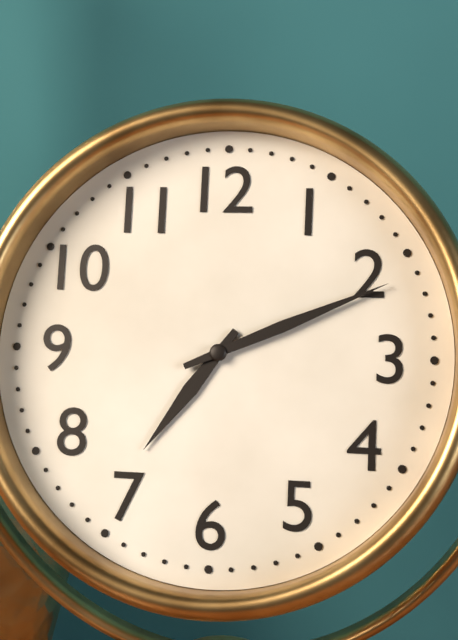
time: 7:11
